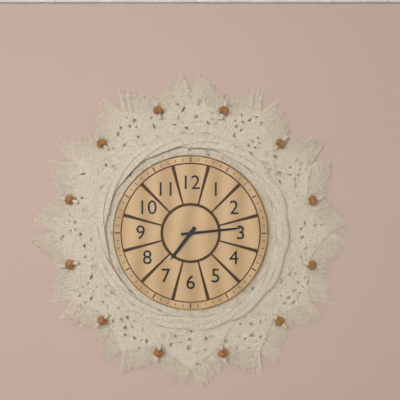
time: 7:14
